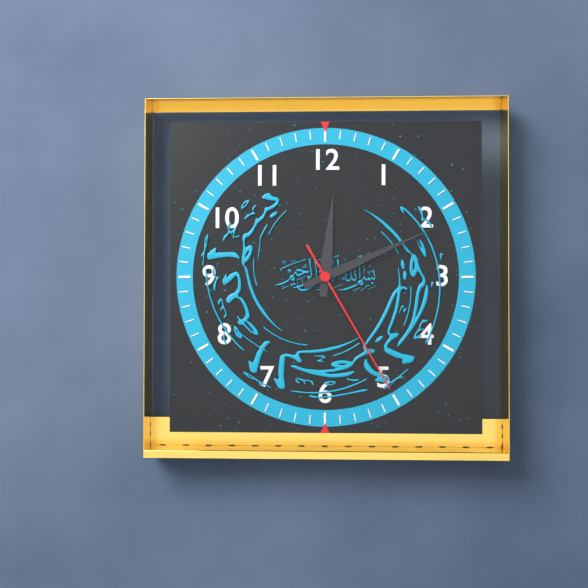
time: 12:11:25
